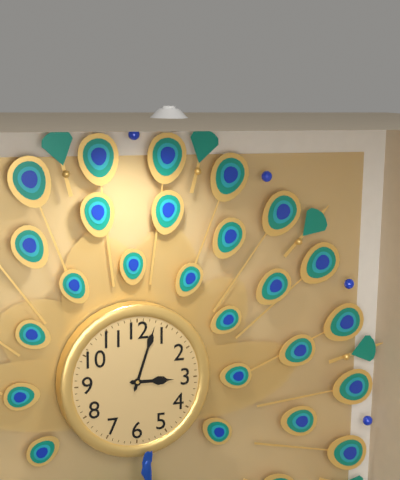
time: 3:03
